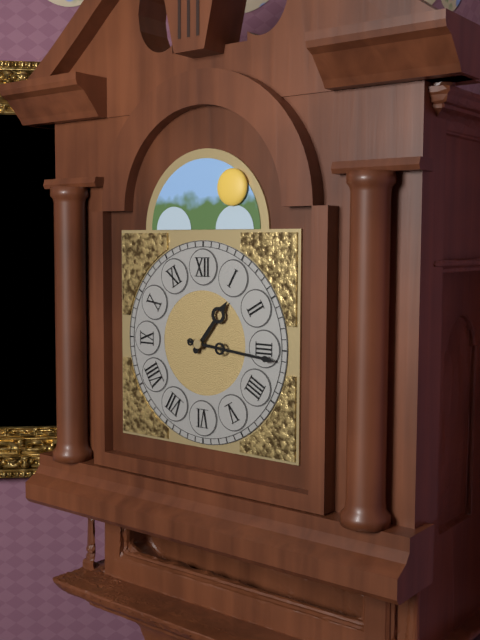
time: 1:16
